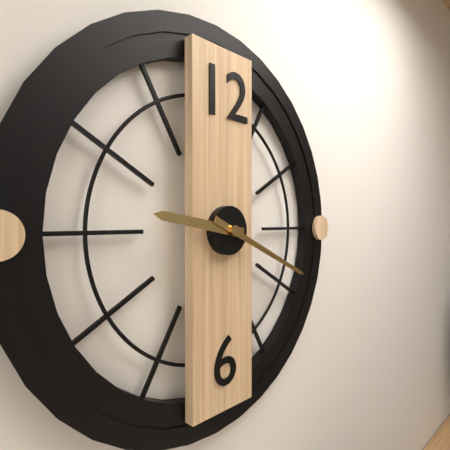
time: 9:19
